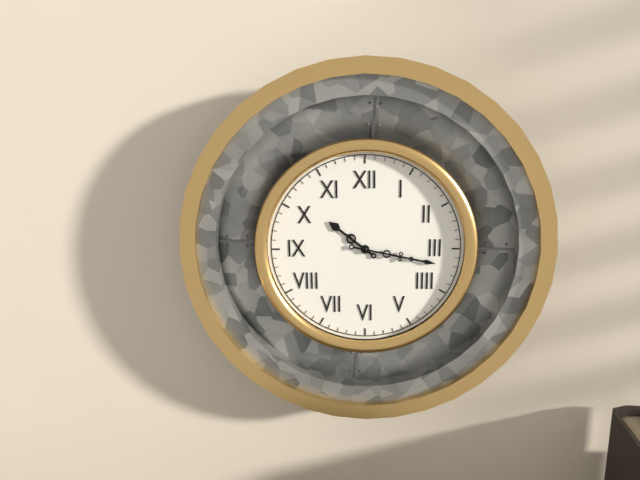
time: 10:17
